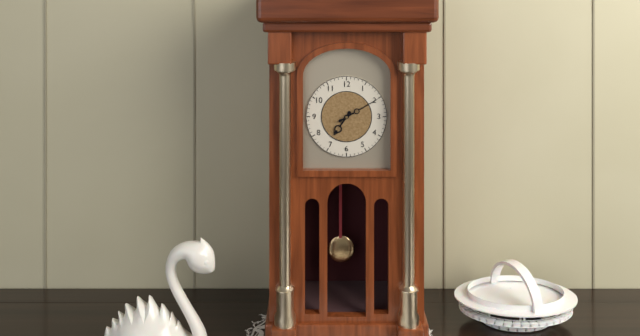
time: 7:10
